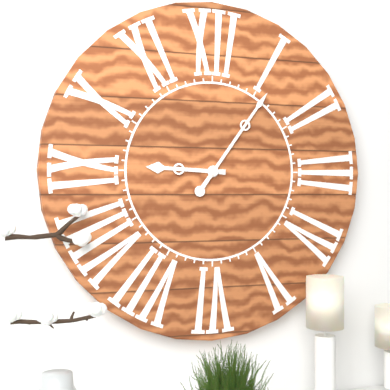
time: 9:06
